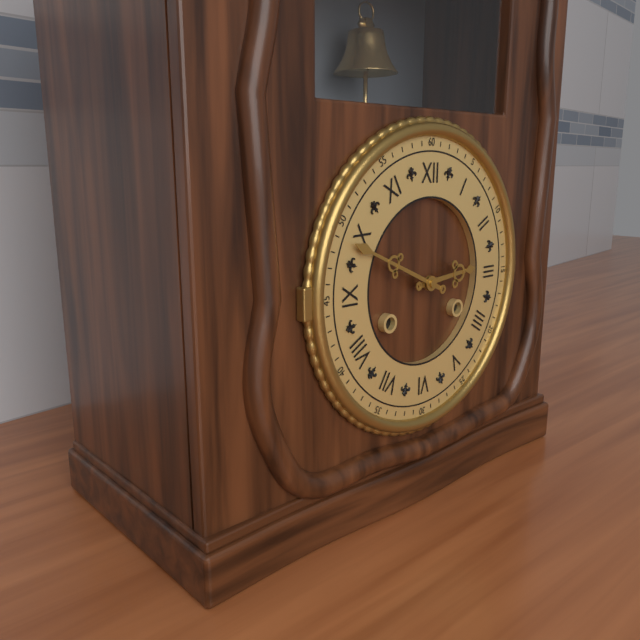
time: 2:49
